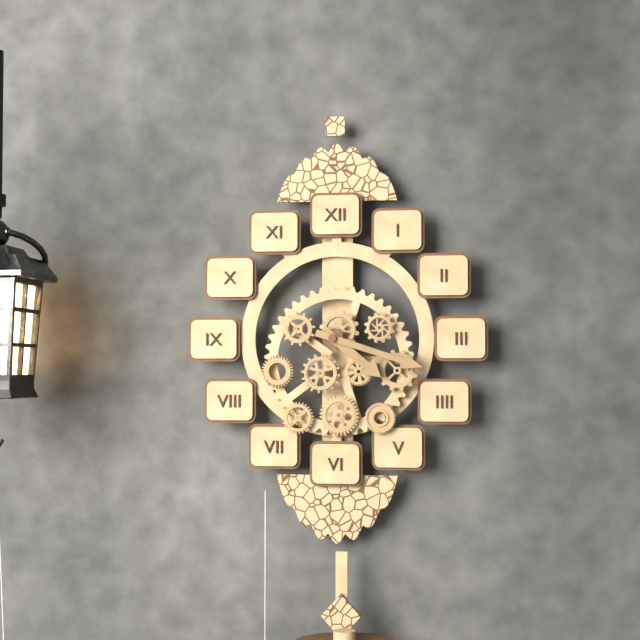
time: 4:18
